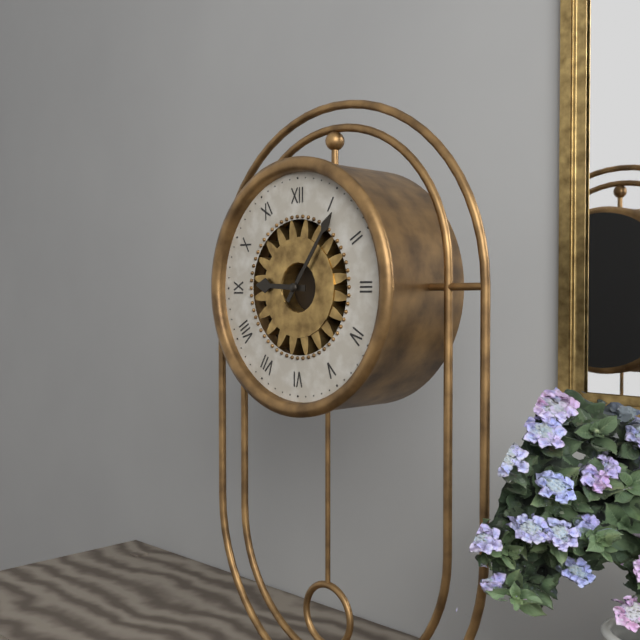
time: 9:06
